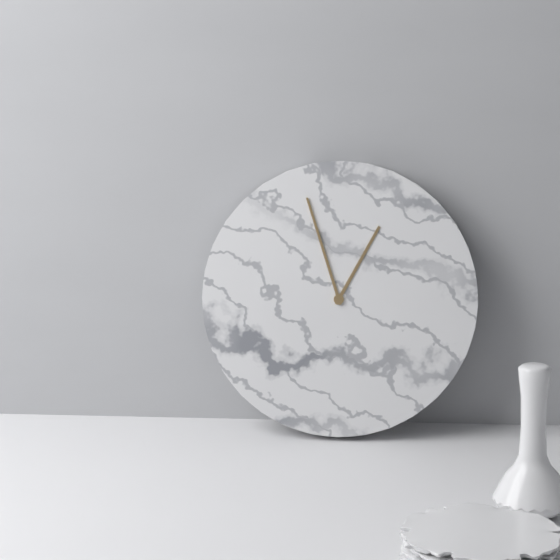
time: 12:57
